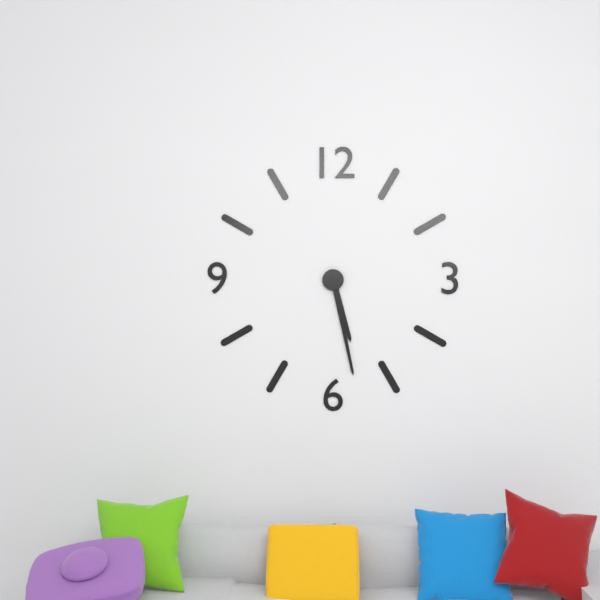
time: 5:28
